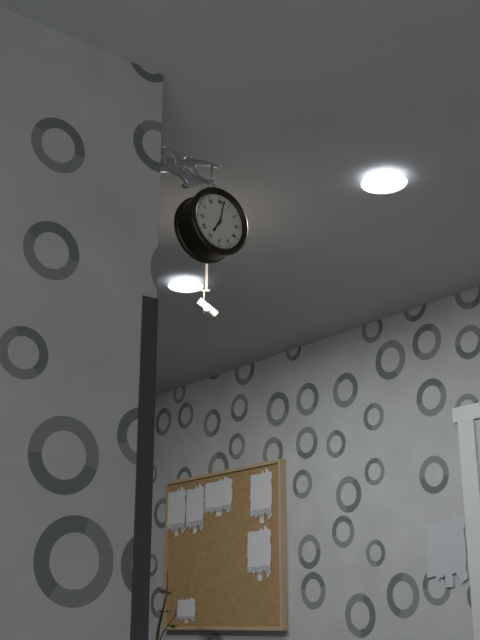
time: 7:02
